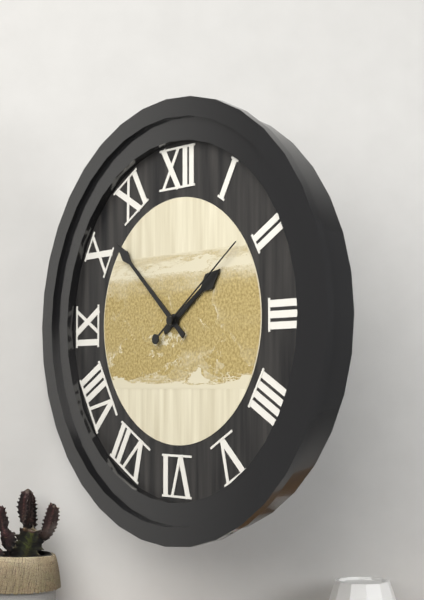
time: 1:52:09
